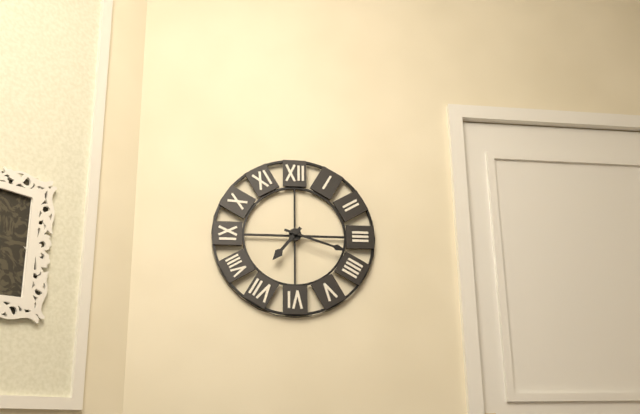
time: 7:18
